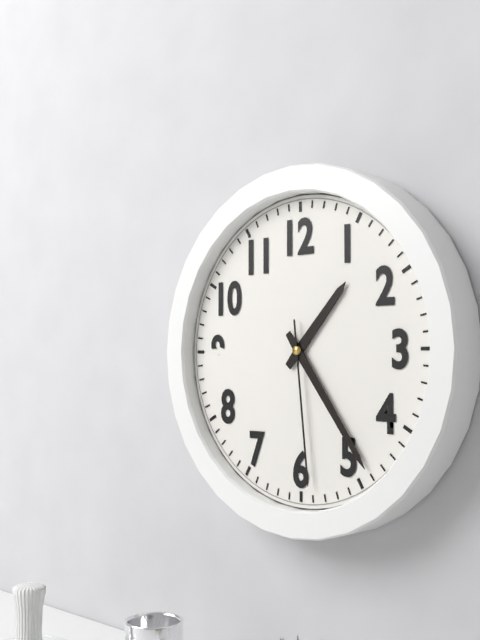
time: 1:24:29
